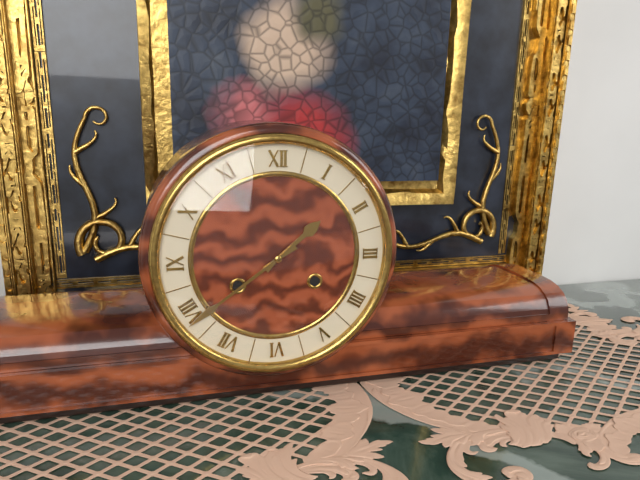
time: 1:39
